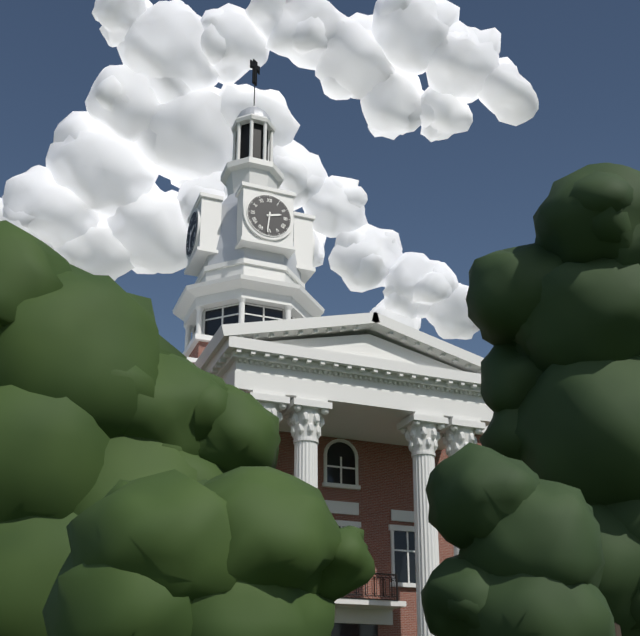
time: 2:31
